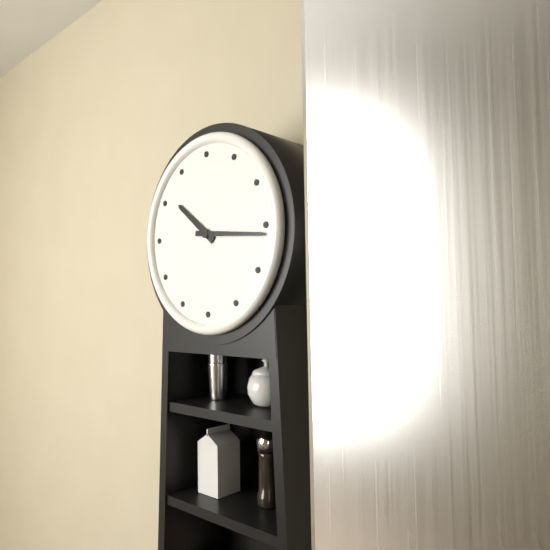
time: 10:16
